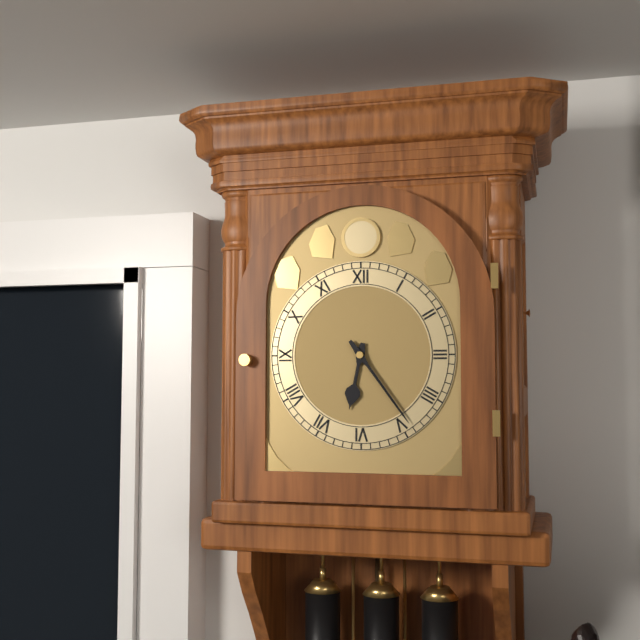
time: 6:24
